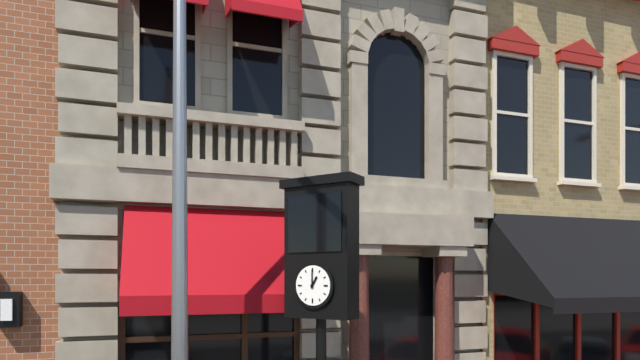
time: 1:00
